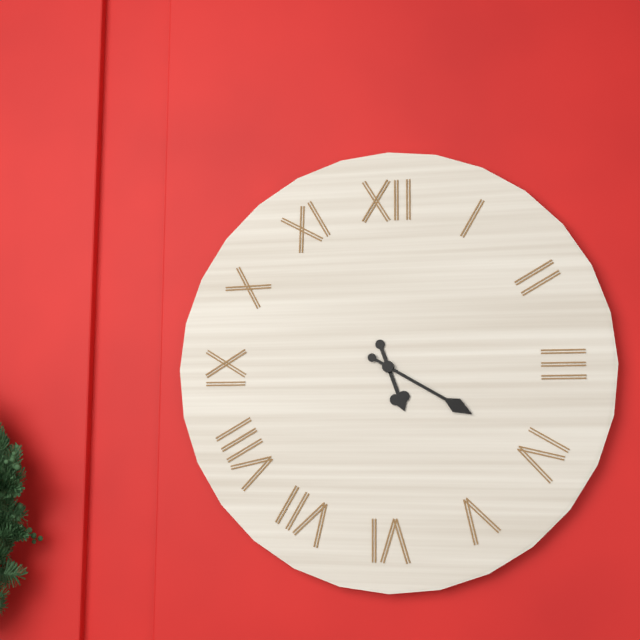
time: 5:20
